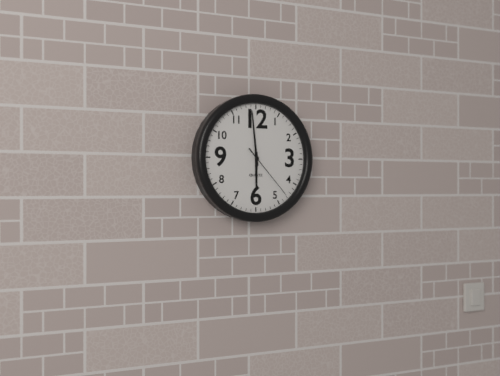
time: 5:59:23
